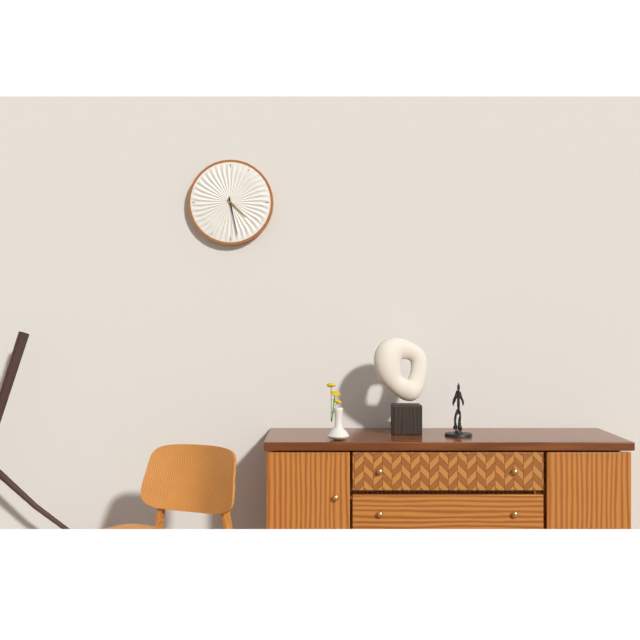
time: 4:28
